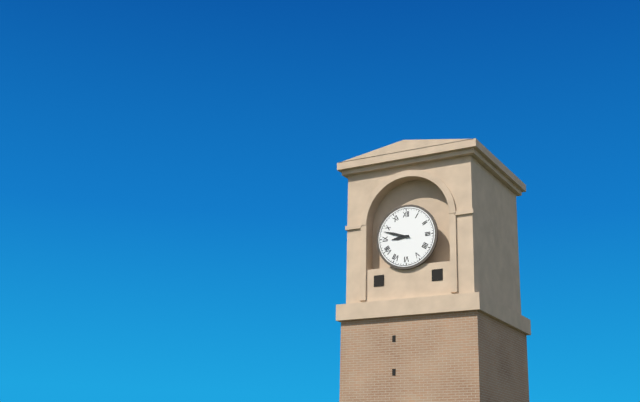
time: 8:48
